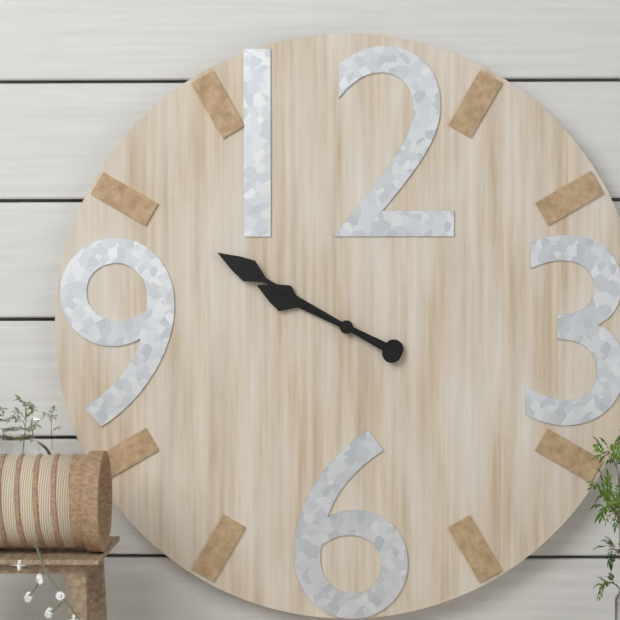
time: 9:50
